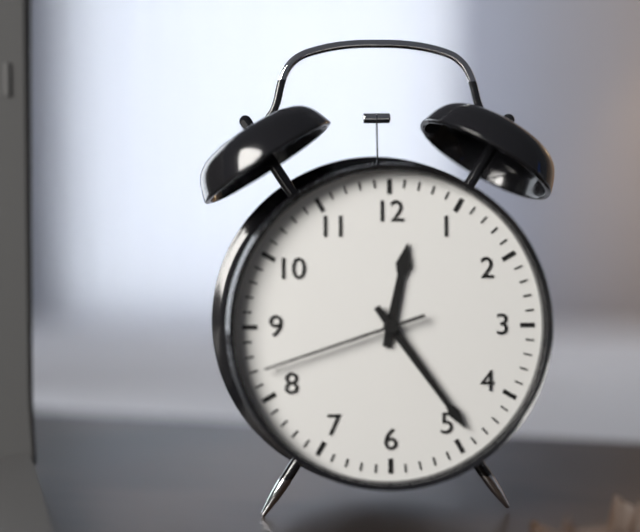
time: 12:24:42
